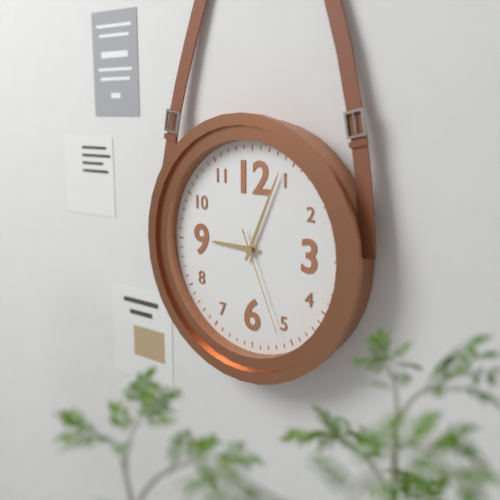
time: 9:04:26
